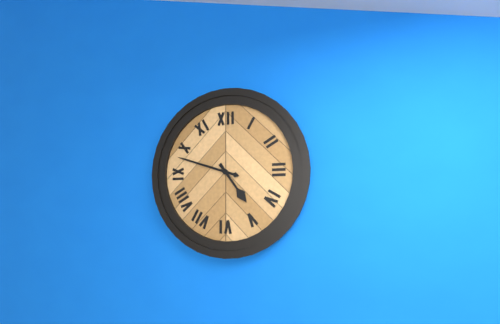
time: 4:48
